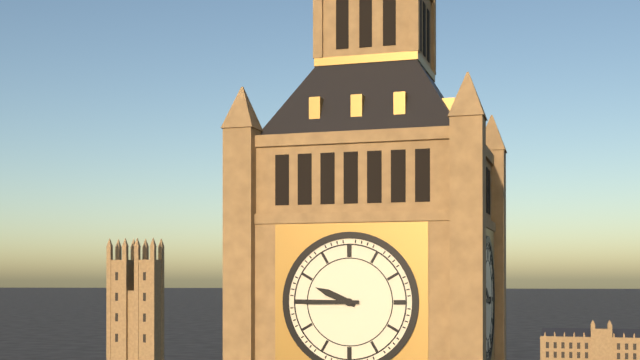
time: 9:45
